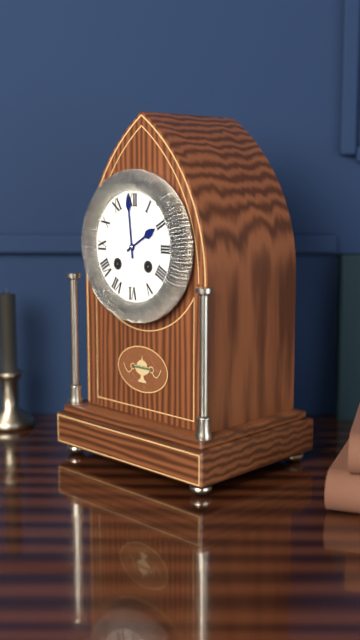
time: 1:59
